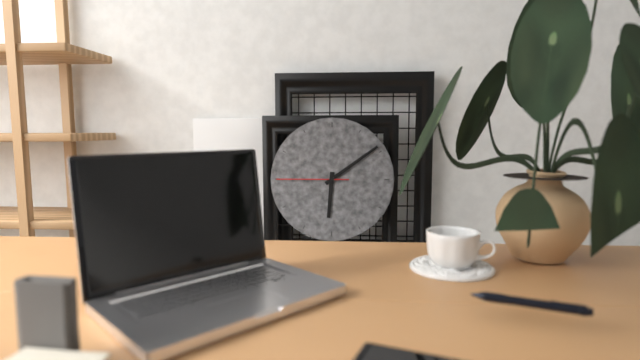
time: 6:09:45
